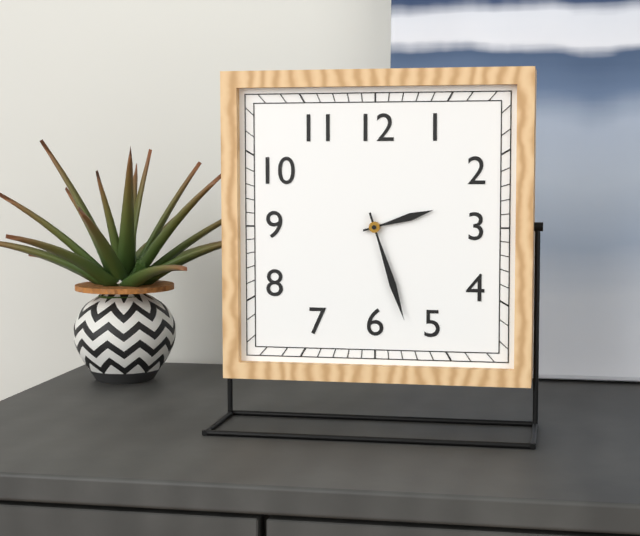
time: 2:27
